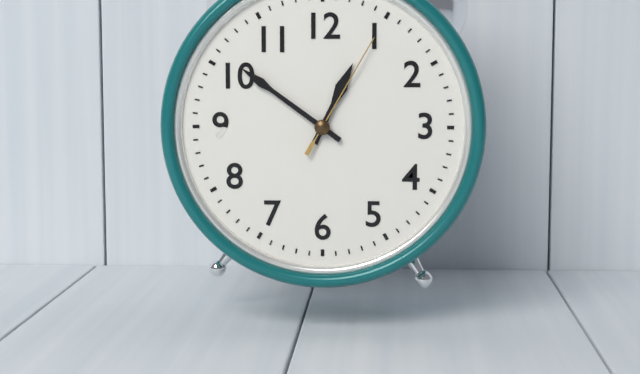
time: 12:51:05
